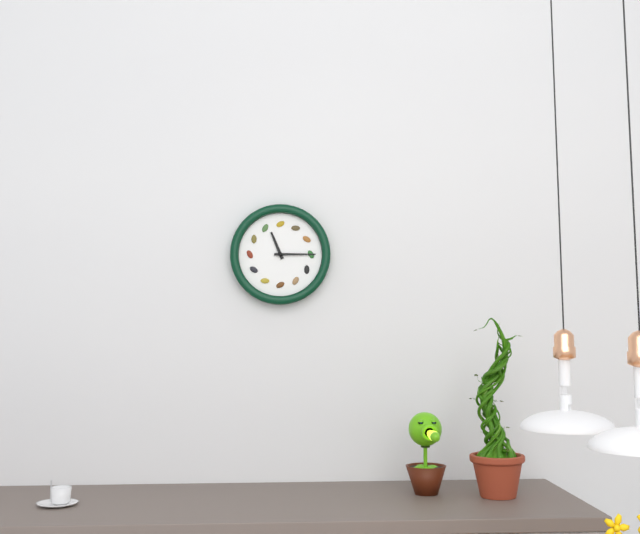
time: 11:15
